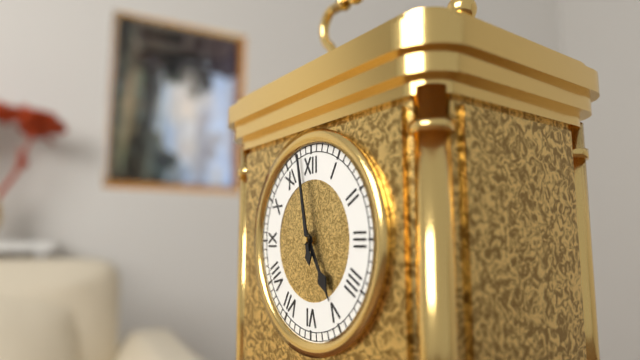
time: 4:58
